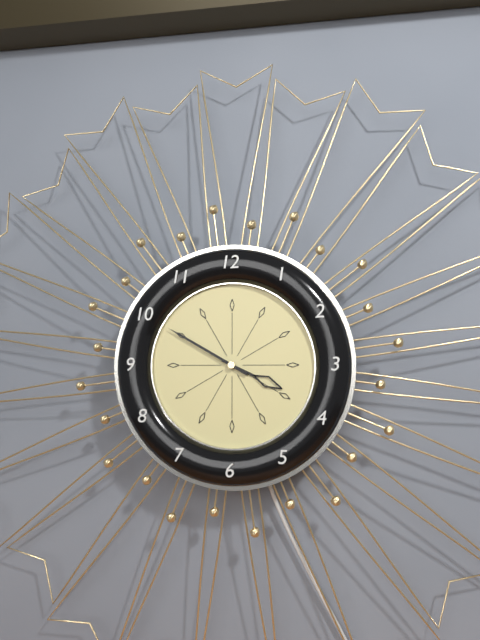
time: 3:50
